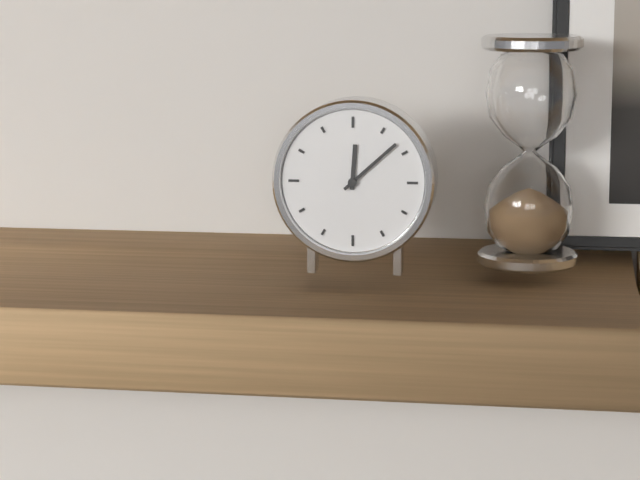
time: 12:08
